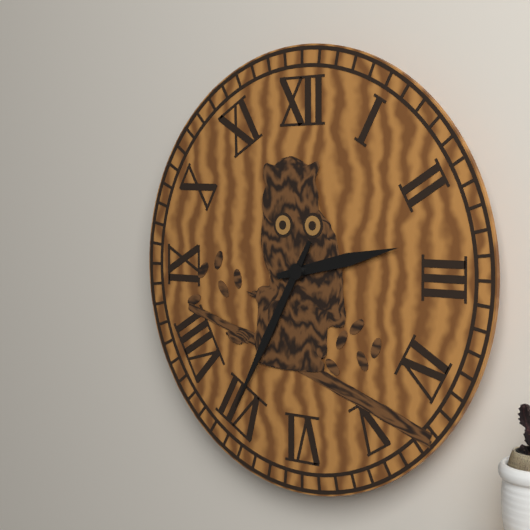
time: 2:35
